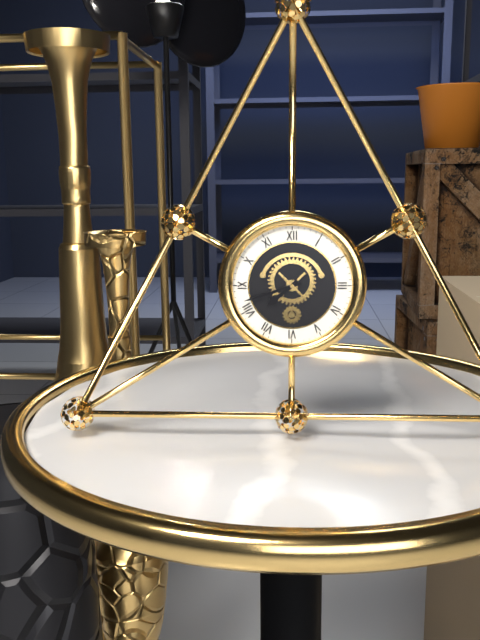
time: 7:42
